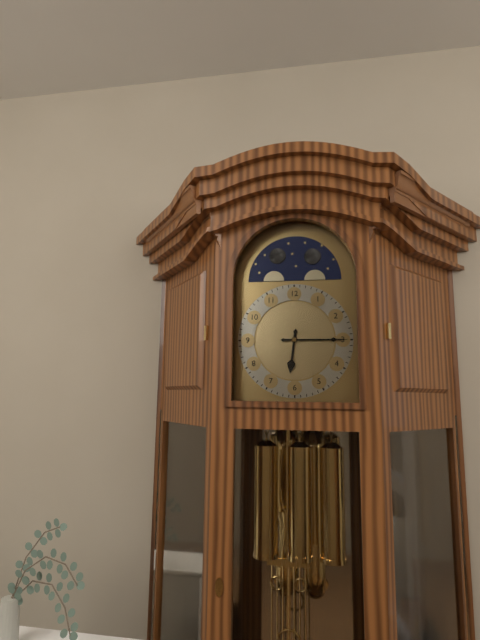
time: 6:15
